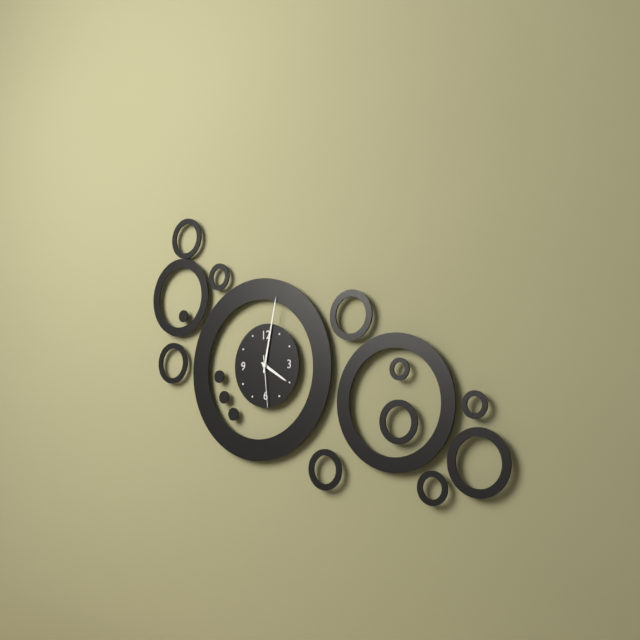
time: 4:02:29
